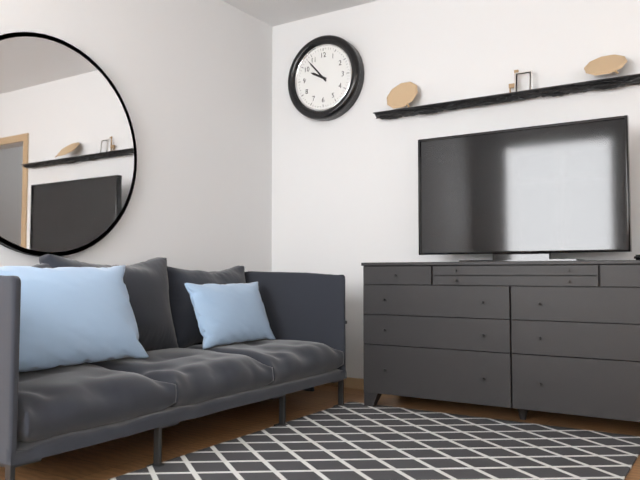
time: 9:53
